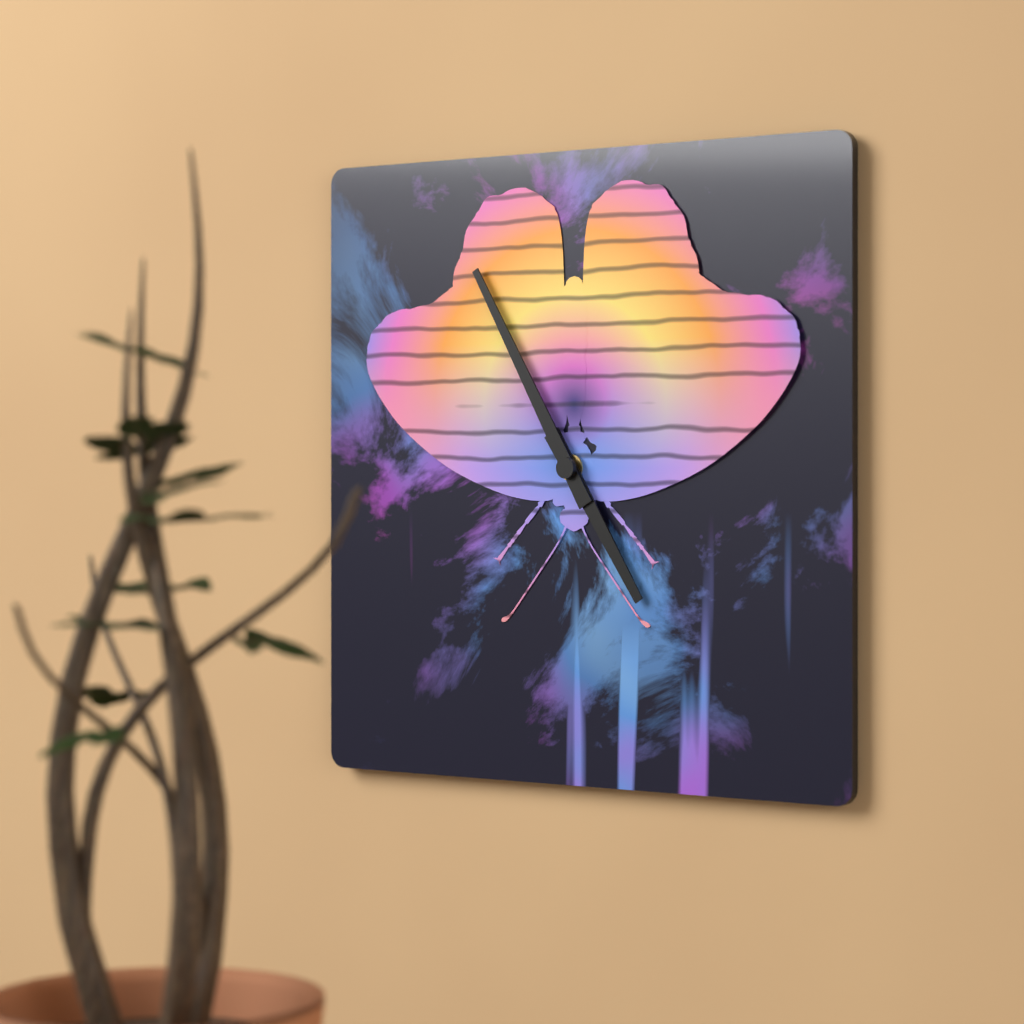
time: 4:55
